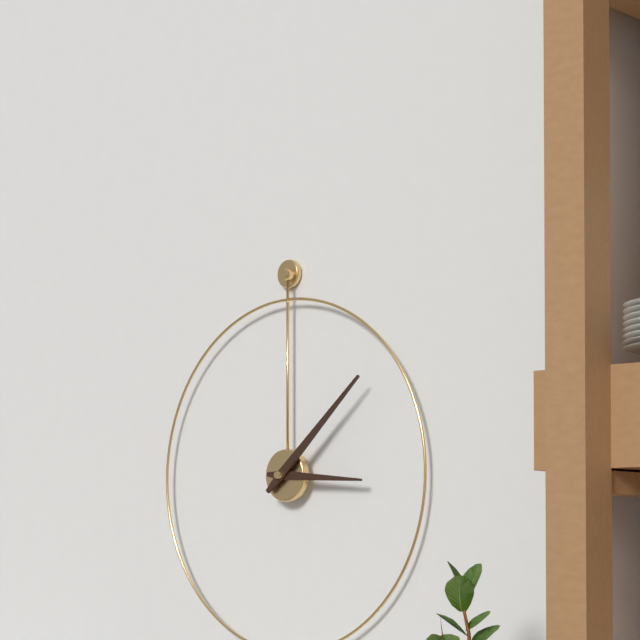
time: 3:08
